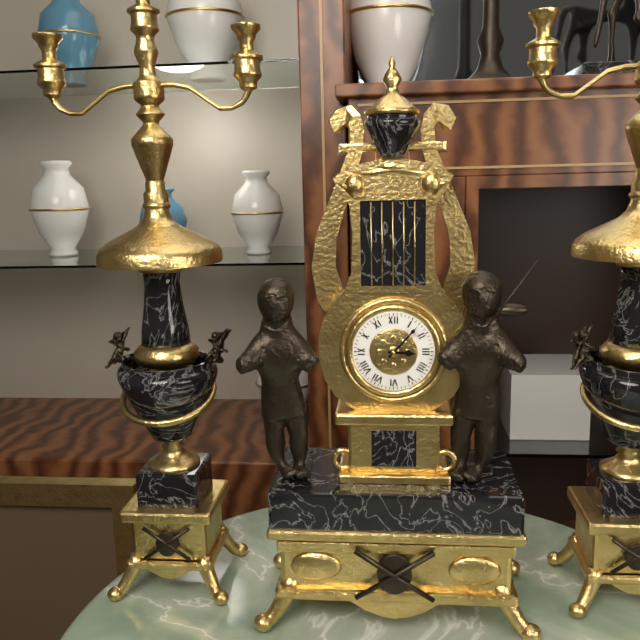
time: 3:07
